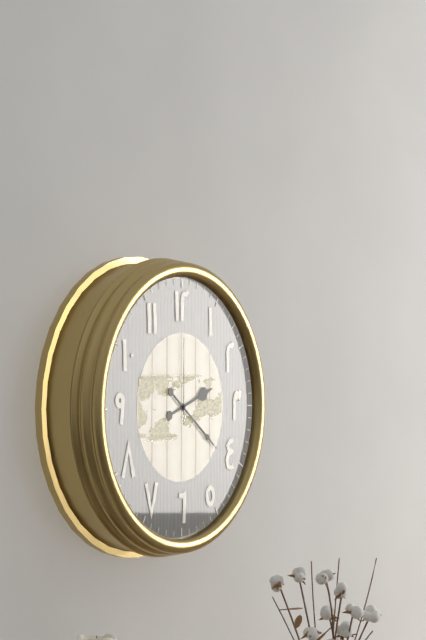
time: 2:21:00
